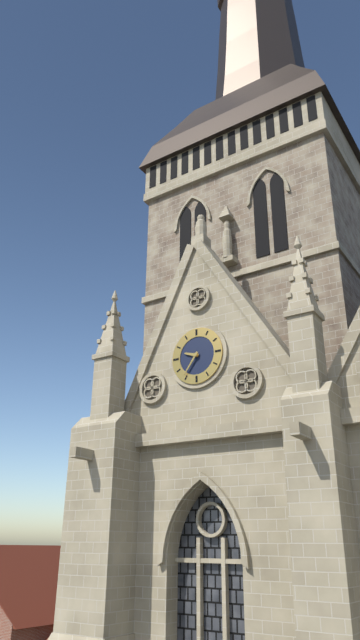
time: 9:36
